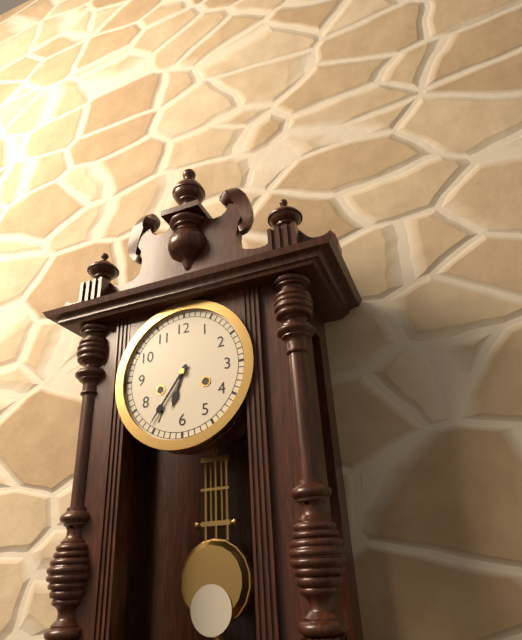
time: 6:36
